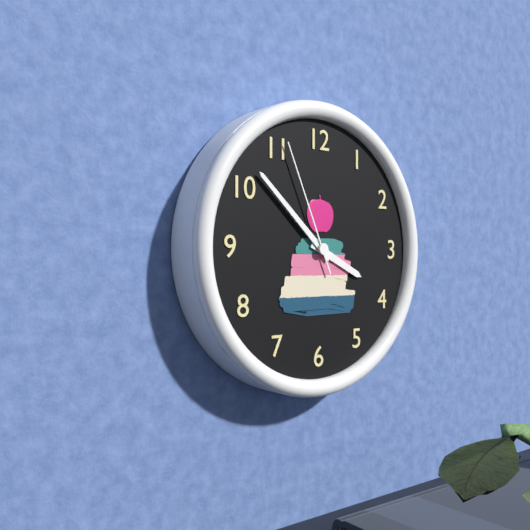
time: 3:52:56
